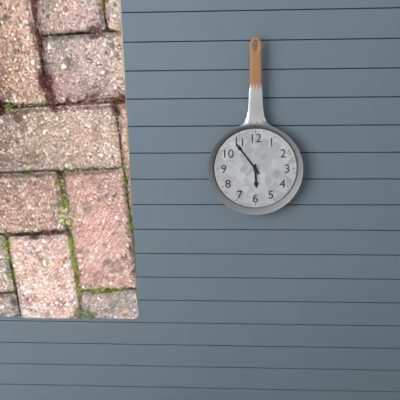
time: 5:54
